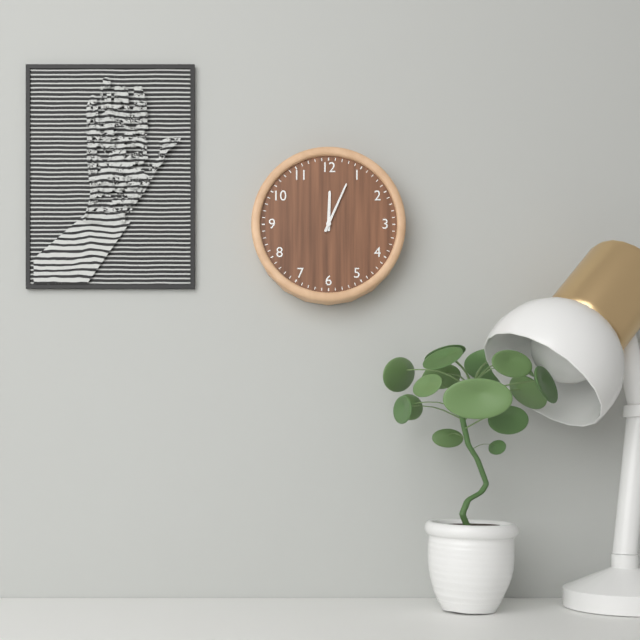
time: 12:04
